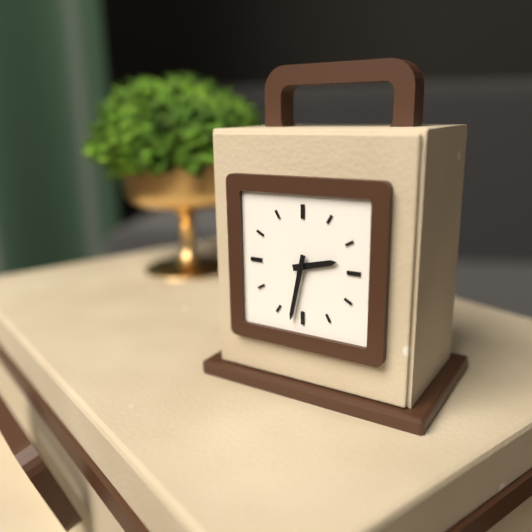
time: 2:32
